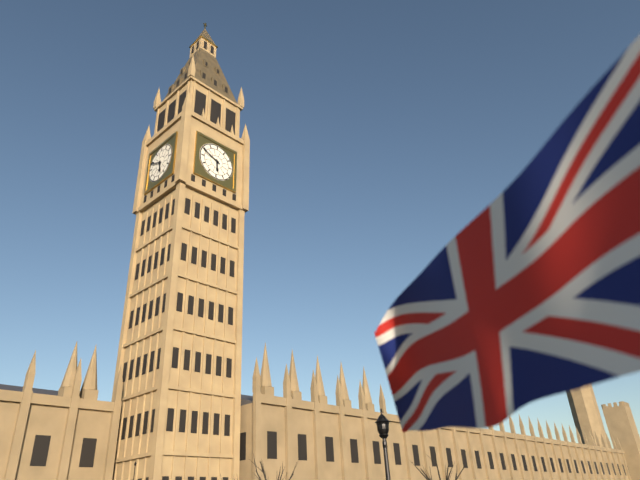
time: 5:49
